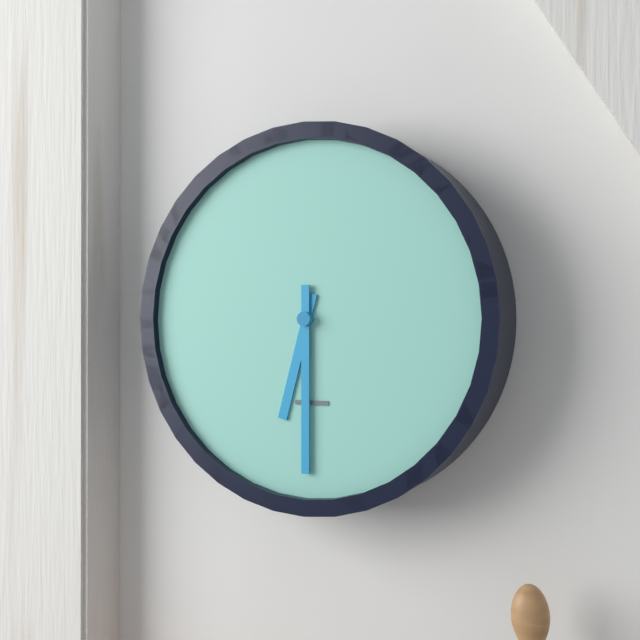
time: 6:30
